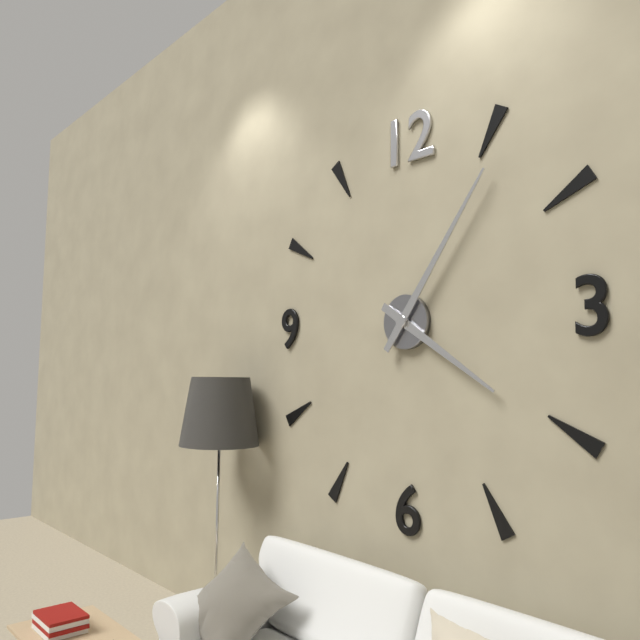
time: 4:06
